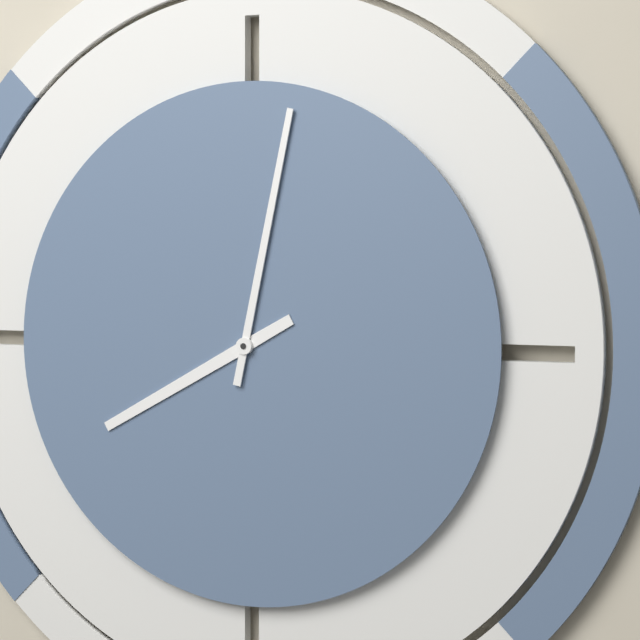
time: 8:02
